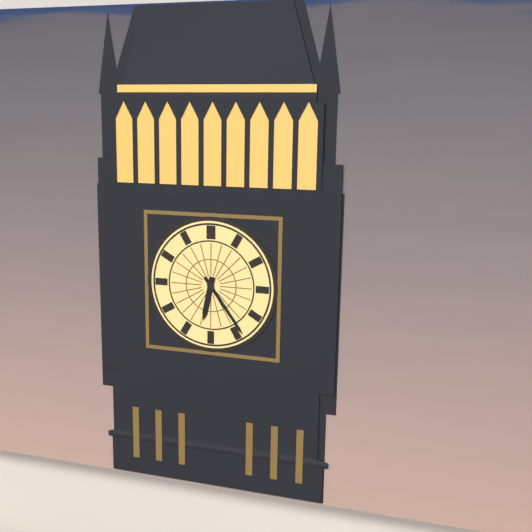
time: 6:24
